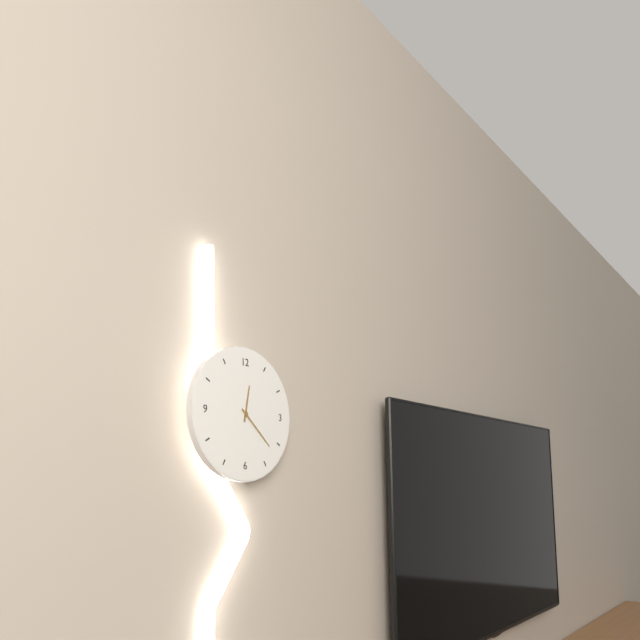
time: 12:22
